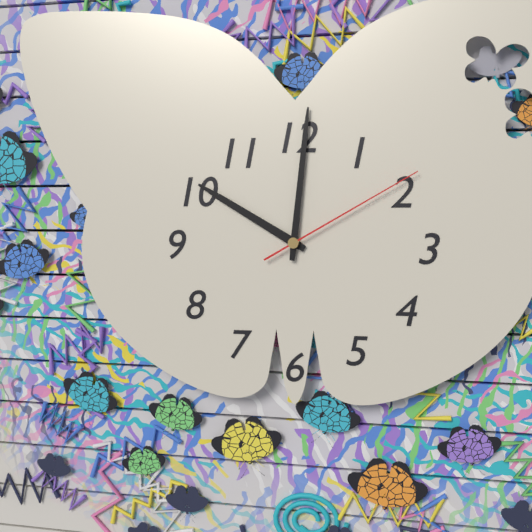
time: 10:01:10
